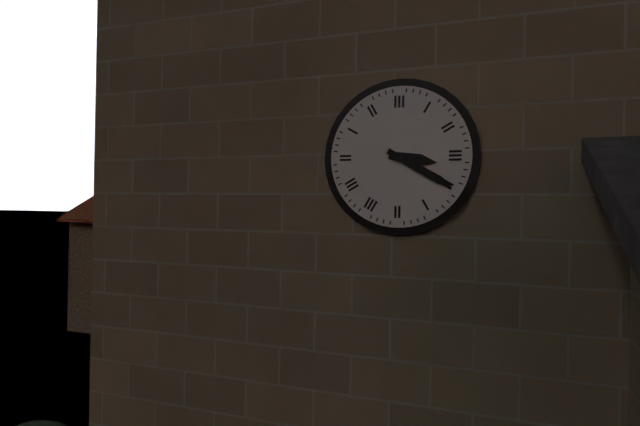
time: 3:20
